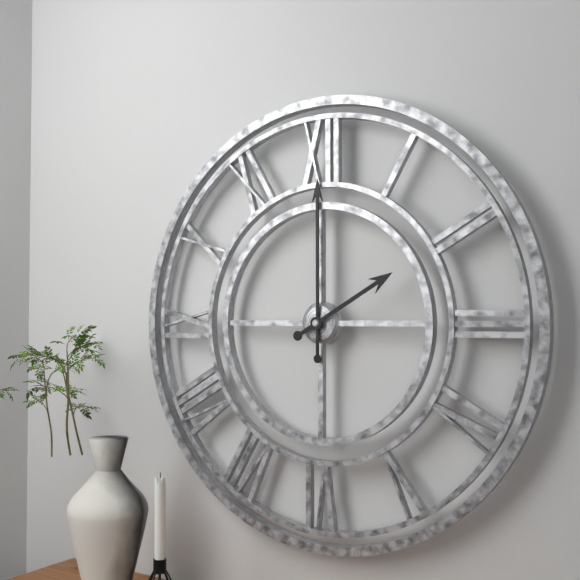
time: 2:00
